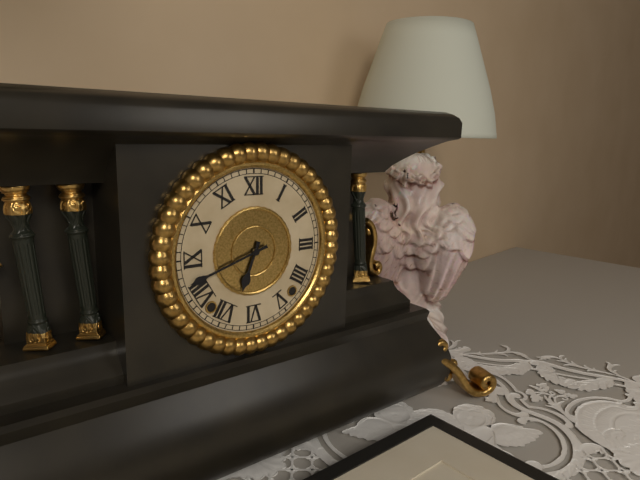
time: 6:42
